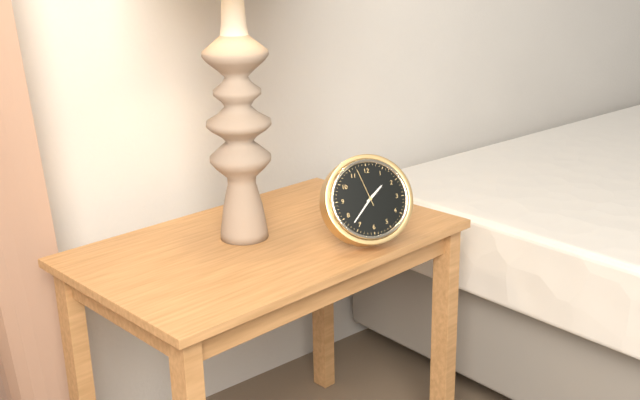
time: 1:37
